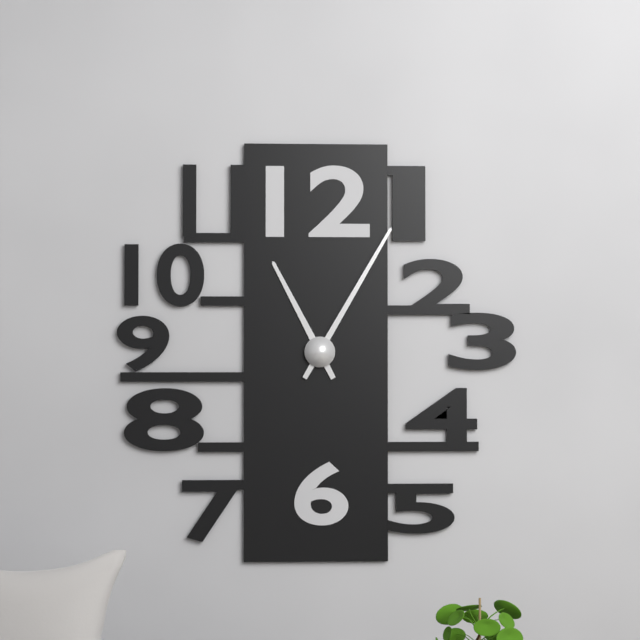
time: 11:05
